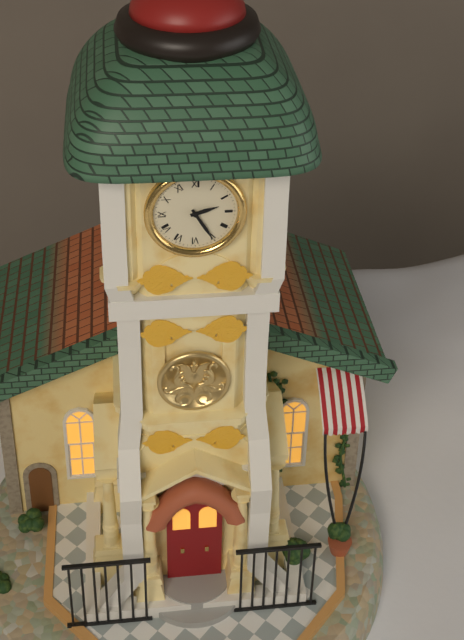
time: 2:25
